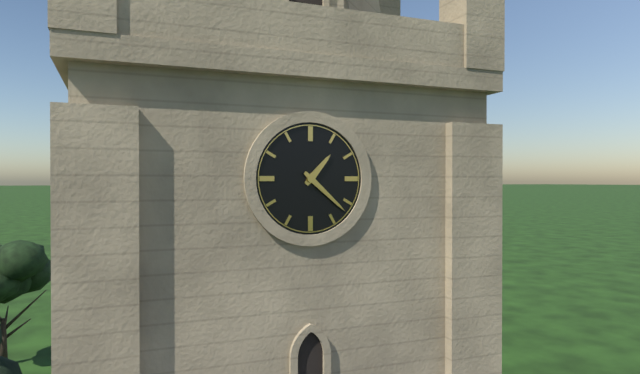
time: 1:22
